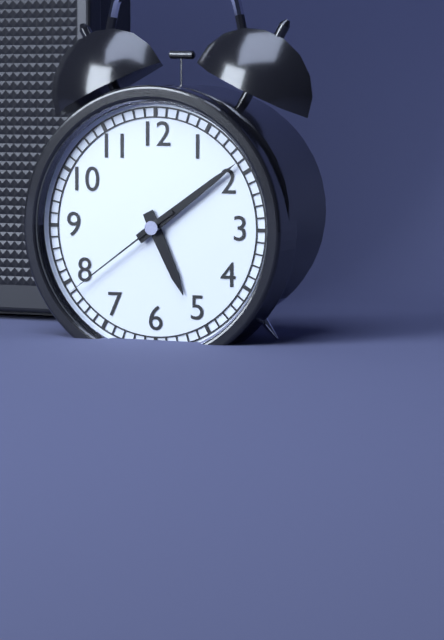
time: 5:09:39
